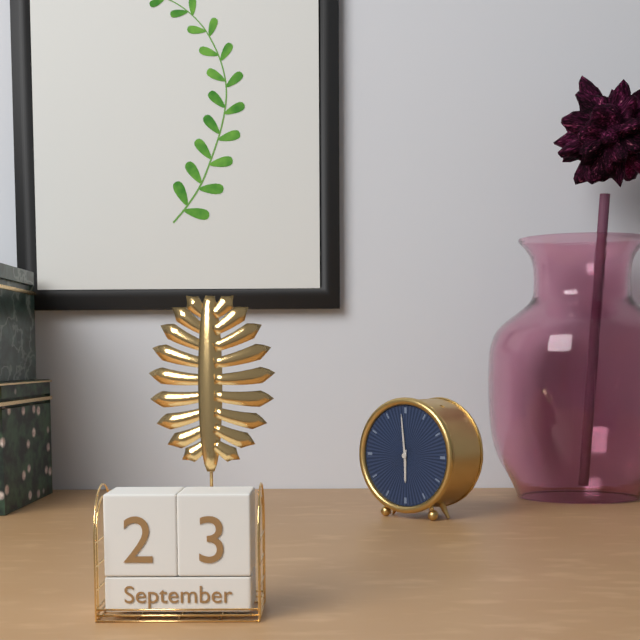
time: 5:59
